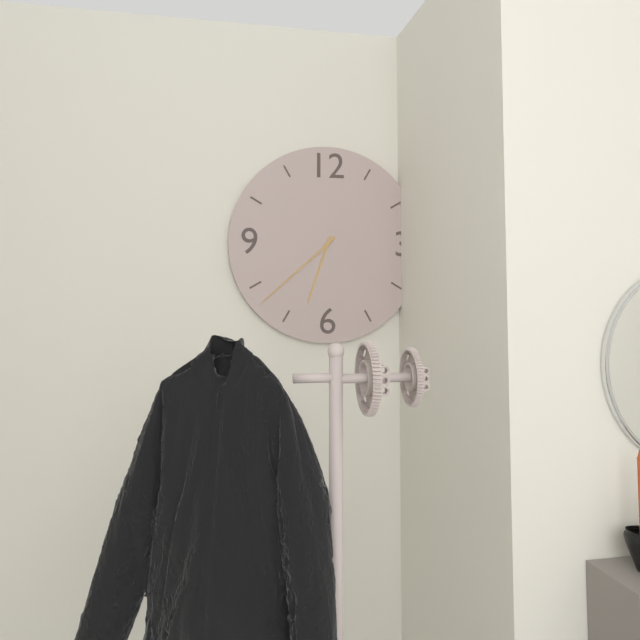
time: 6:38
